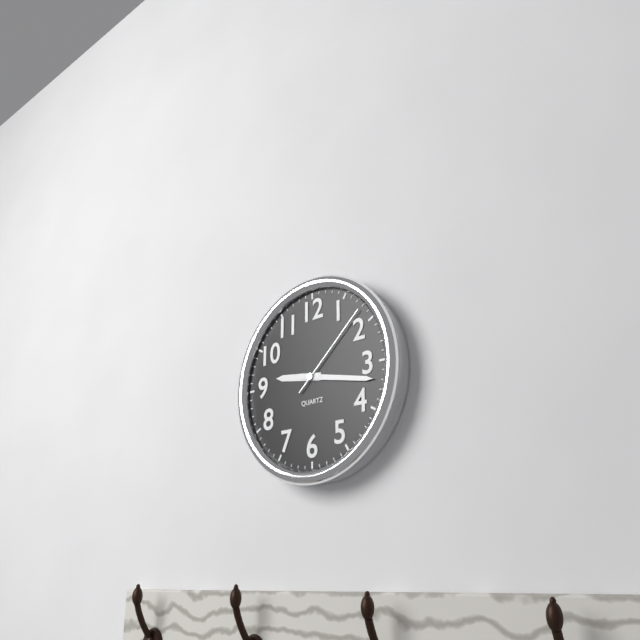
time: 9:17:08
